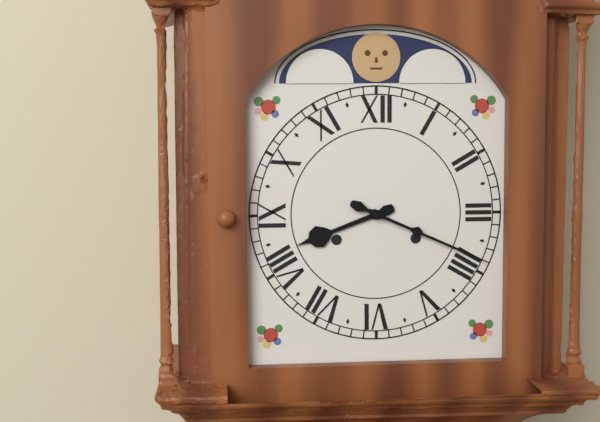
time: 8:19
